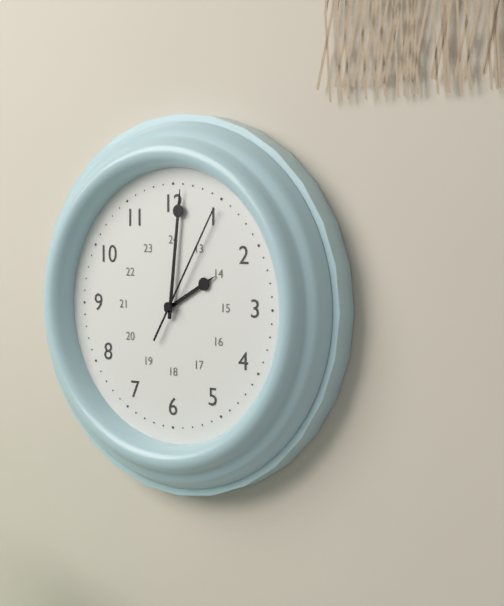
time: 2:01:05
